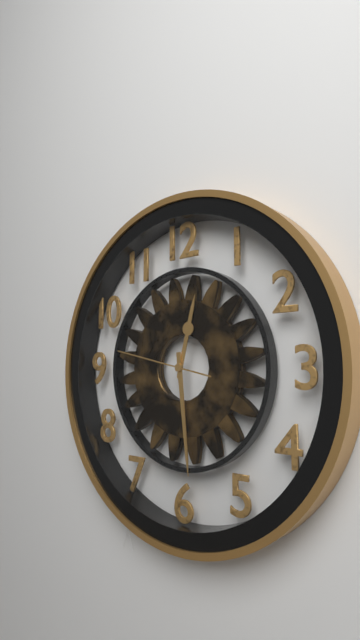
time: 12:29:47
